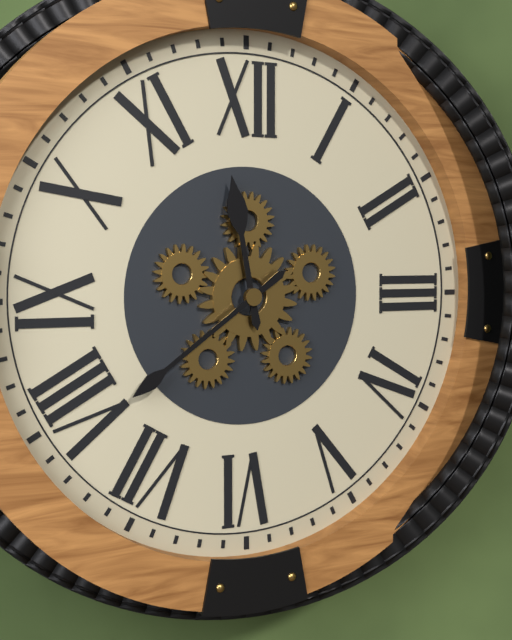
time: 11:39
